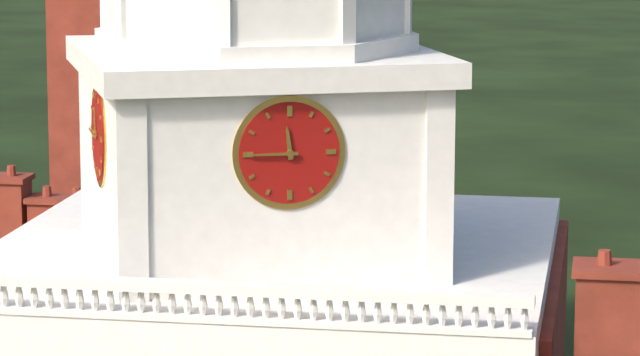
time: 11:45
